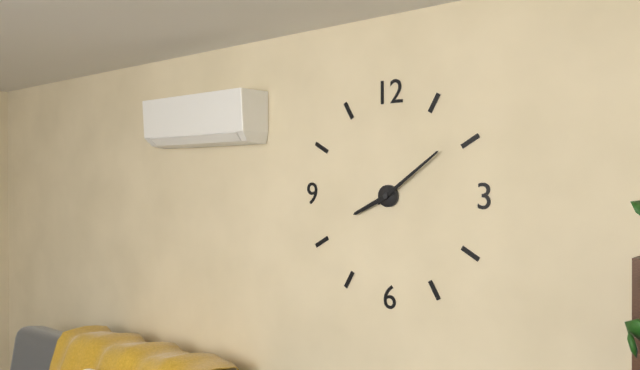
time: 8:09
